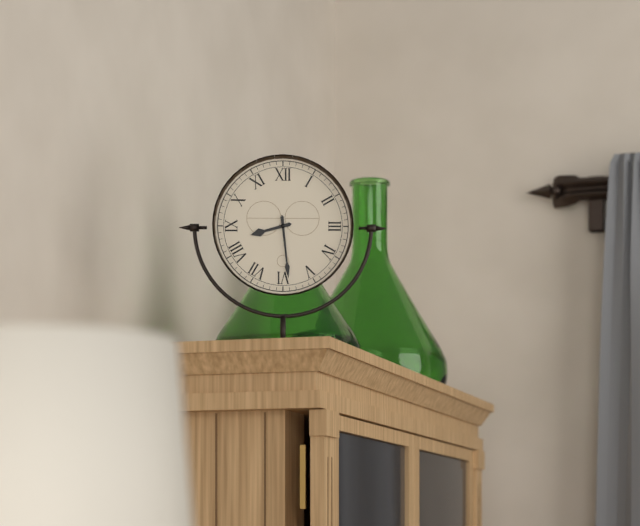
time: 8:29
